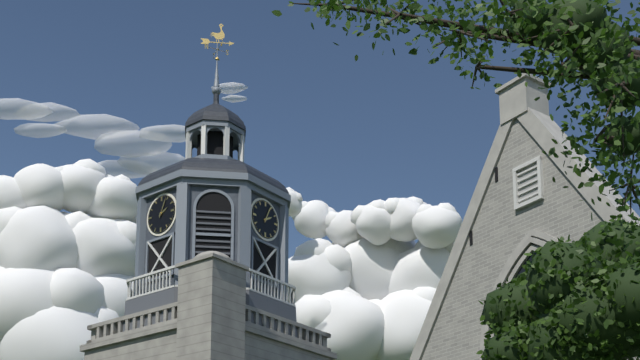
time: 2:04
